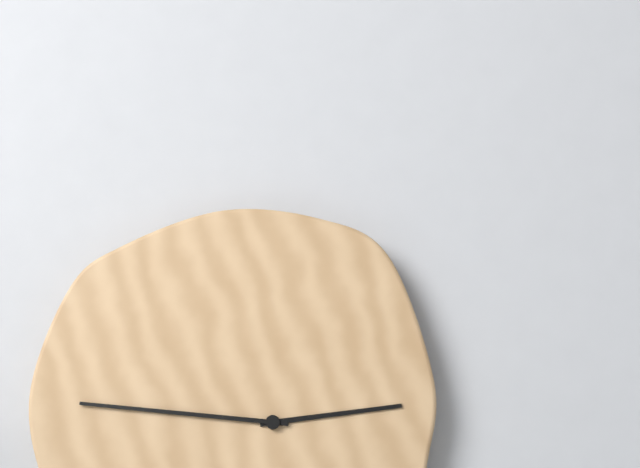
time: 2:46
